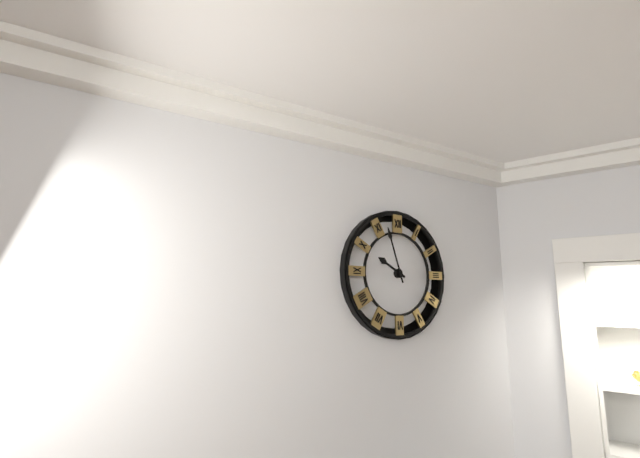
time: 9:57
